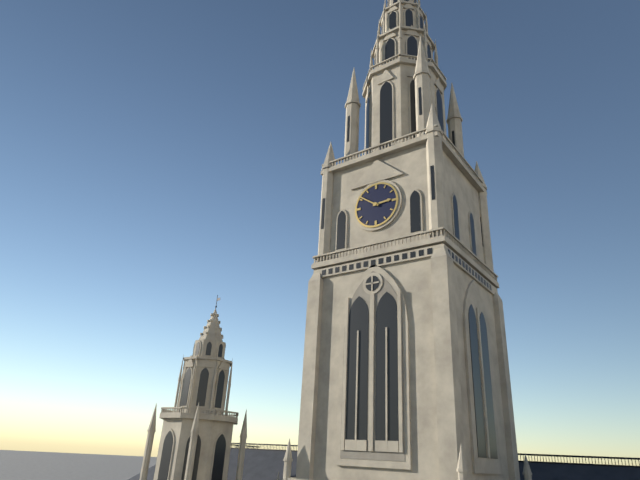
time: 2:51
